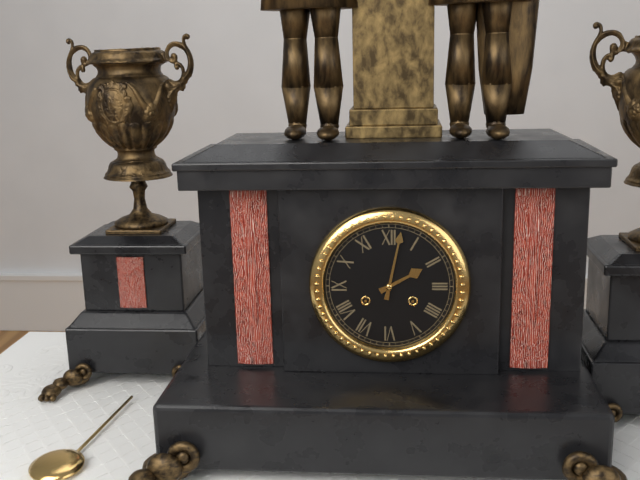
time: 2:02
